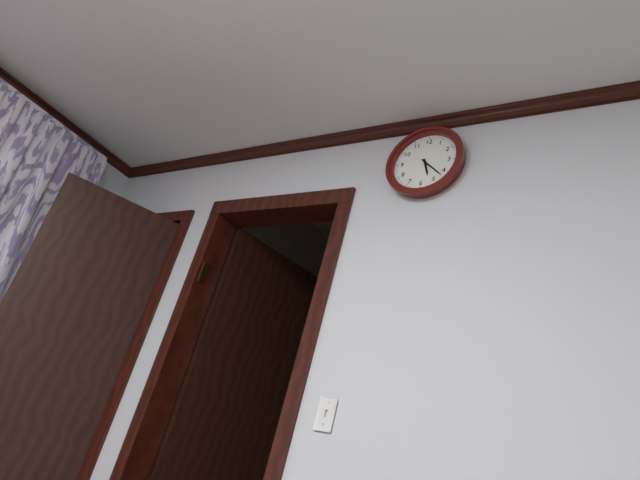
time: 5:22
